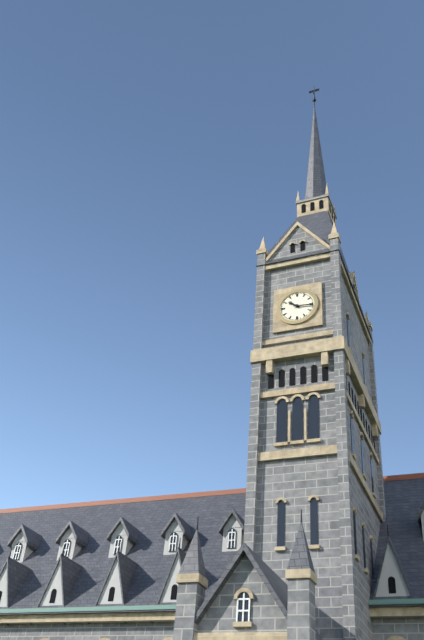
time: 10:16
